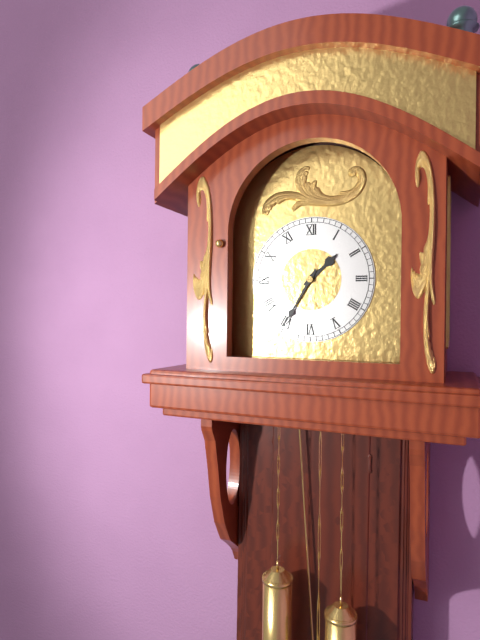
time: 1:35
